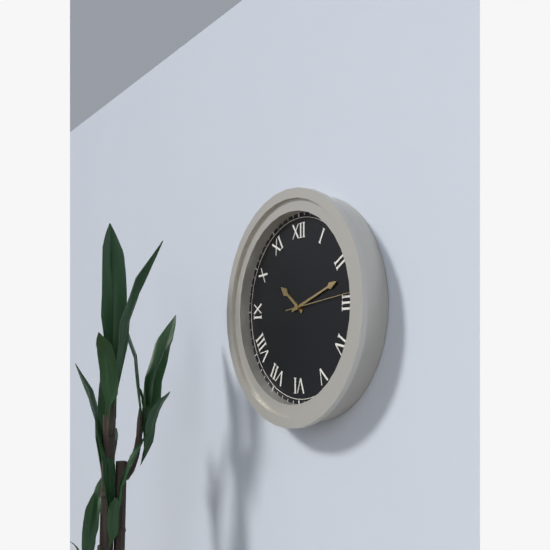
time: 10:12:14
